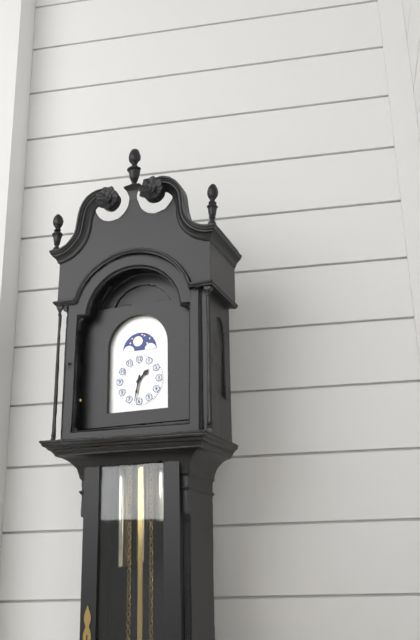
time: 1:32
